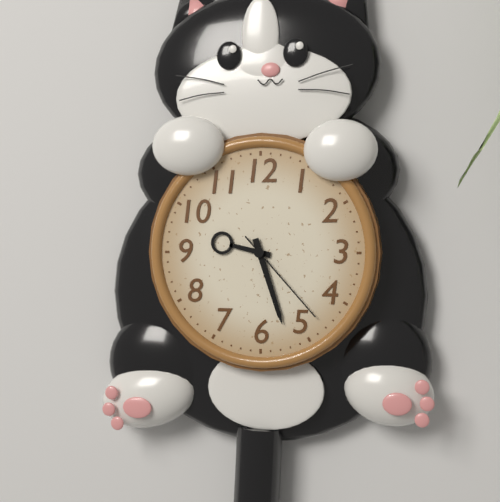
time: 9:27:23
